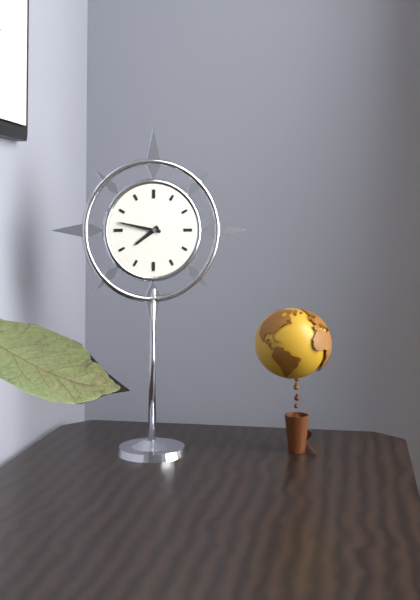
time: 7:47
